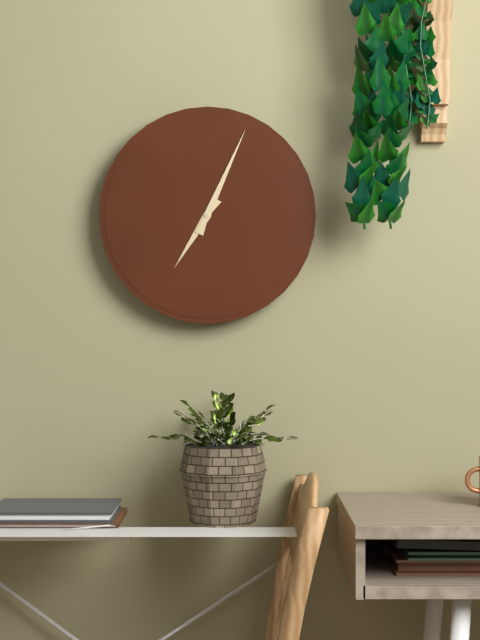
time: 7:04
